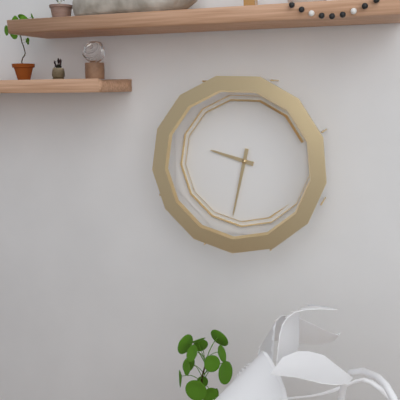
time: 9:32
